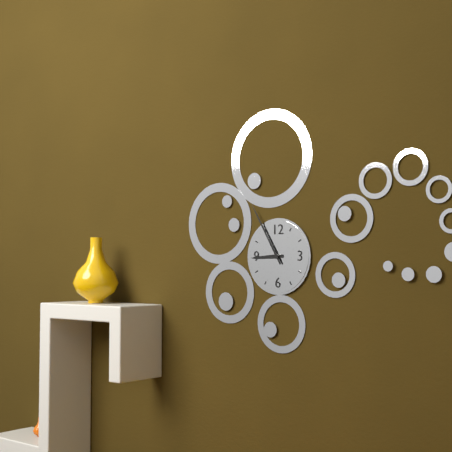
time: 8:55
